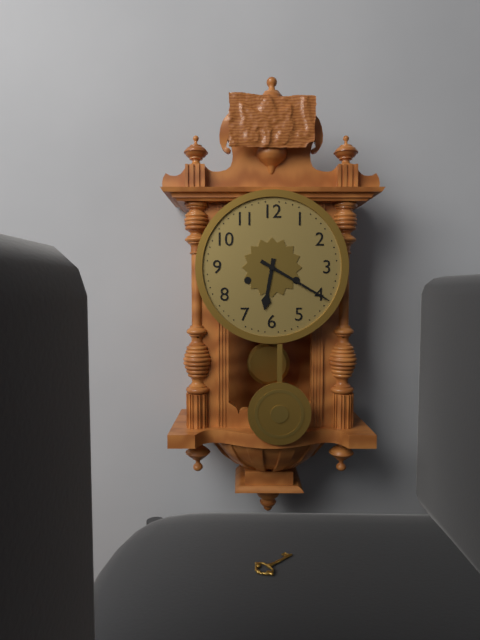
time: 6:20
